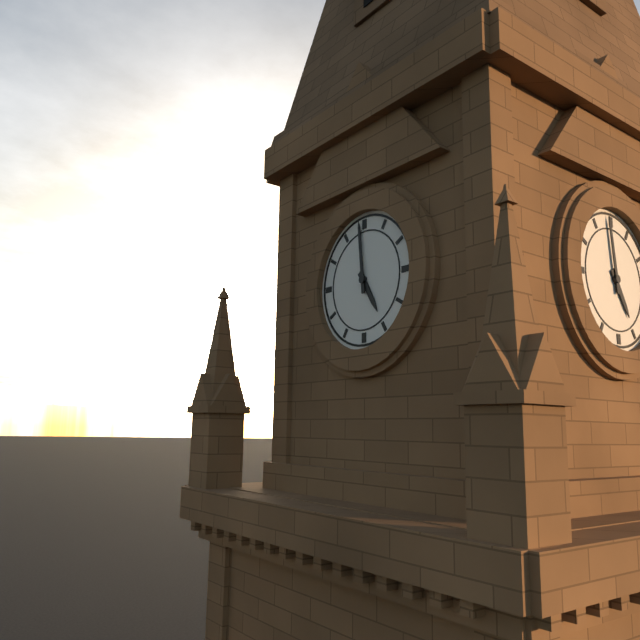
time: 4:59
